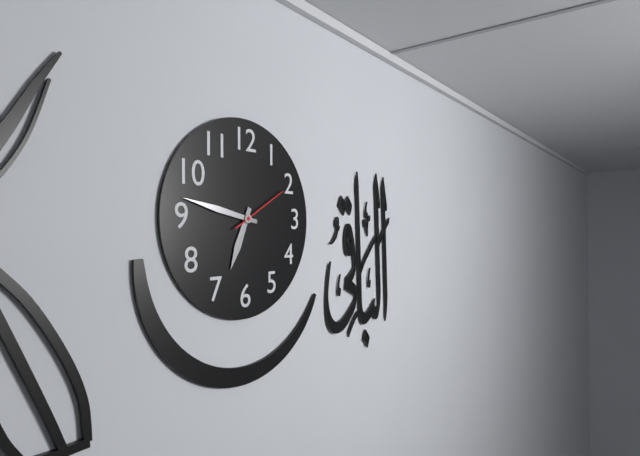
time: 6:47:10
